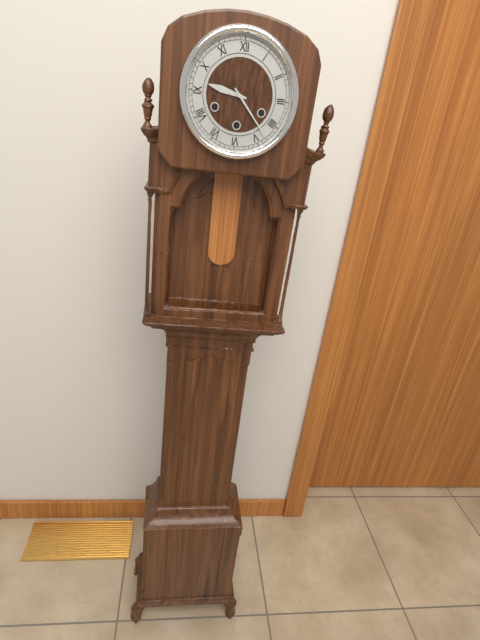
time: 9:23
